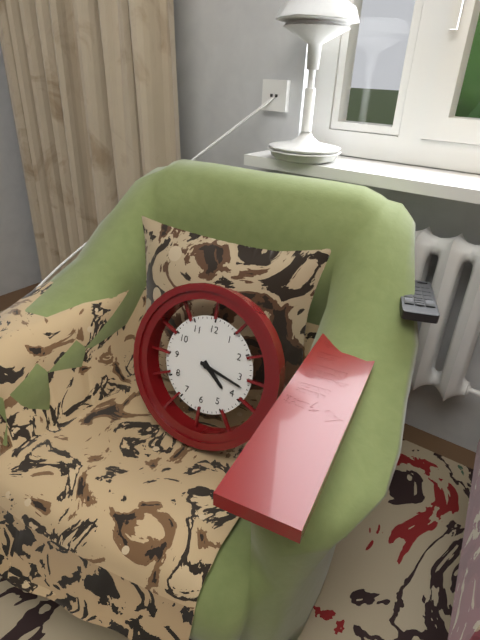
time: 4:17
